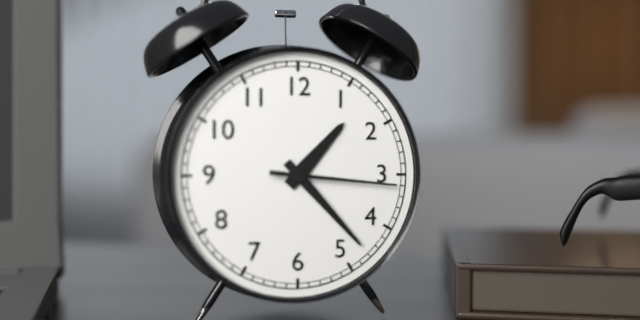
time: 1:23:16
